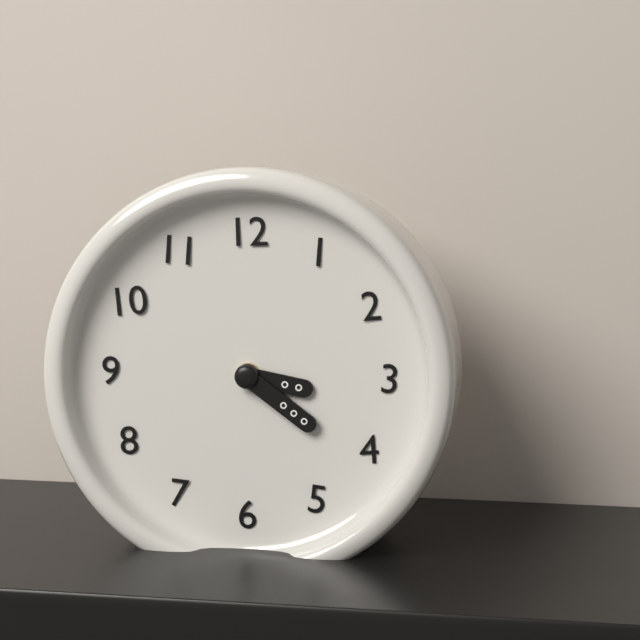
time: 3:21
